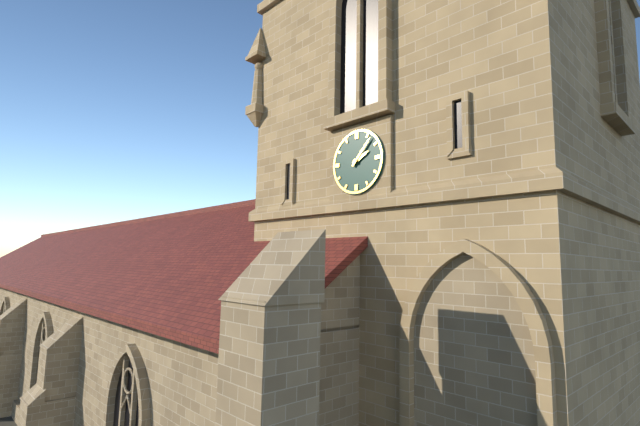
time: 2:07
